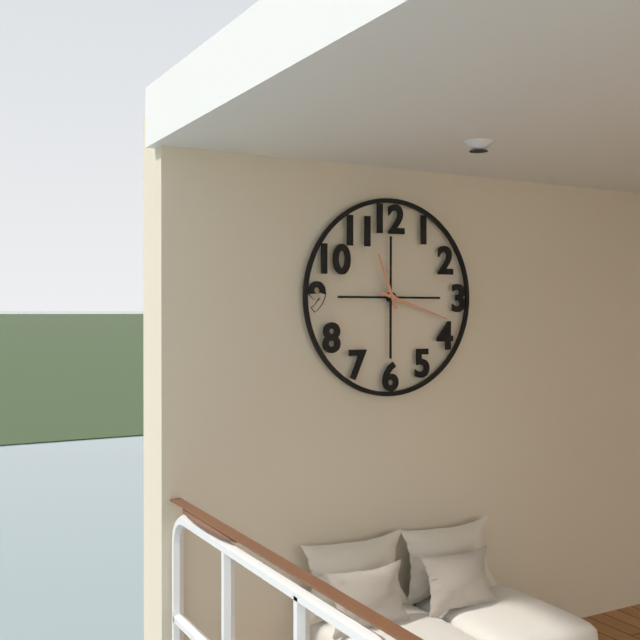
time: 11:18
